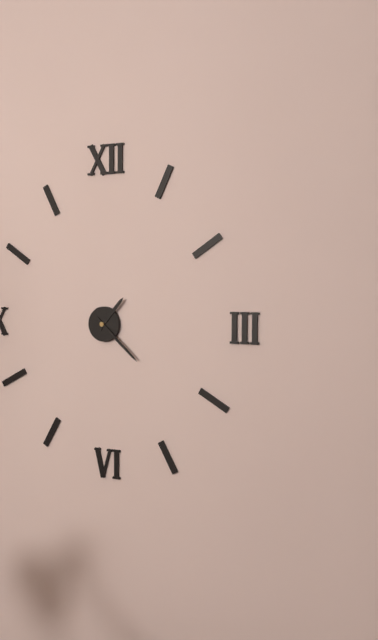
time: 1:22
